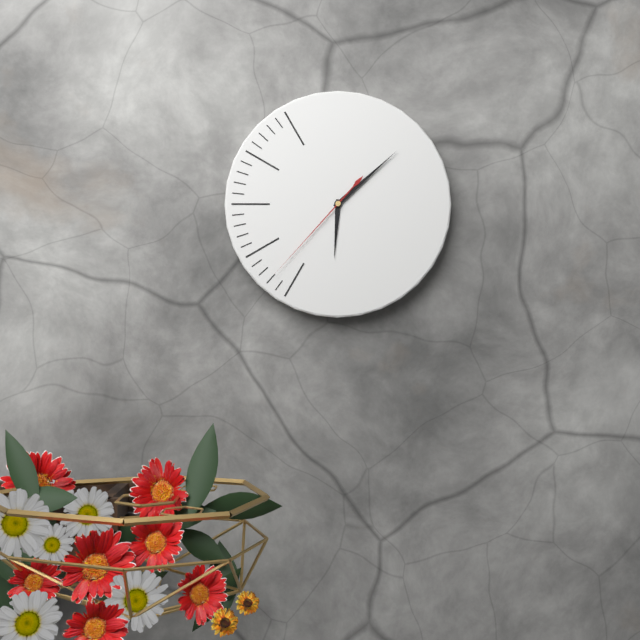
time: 6:08:37
